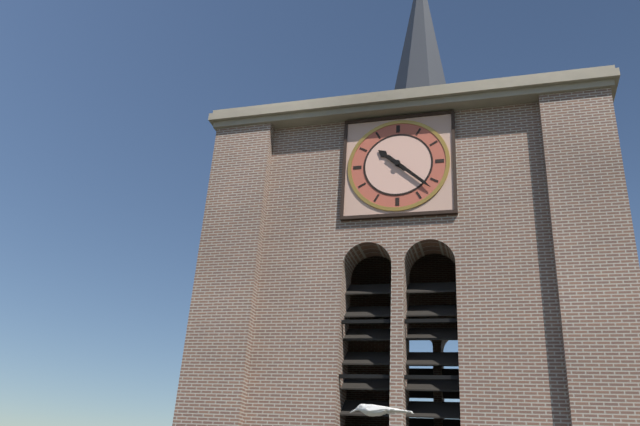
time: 10:22
